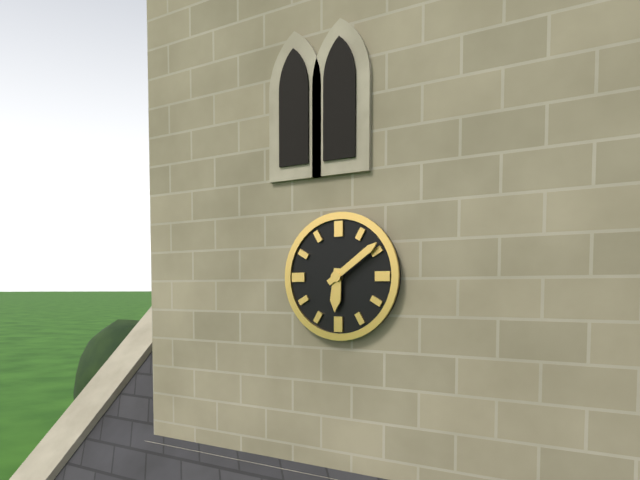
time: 6:09
